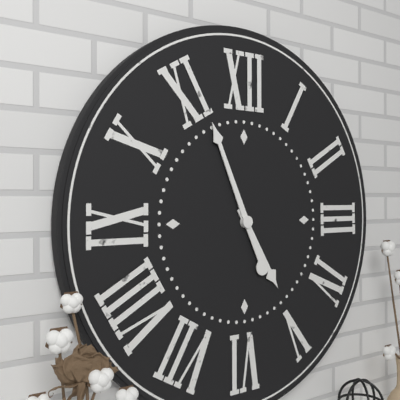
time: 4:56
